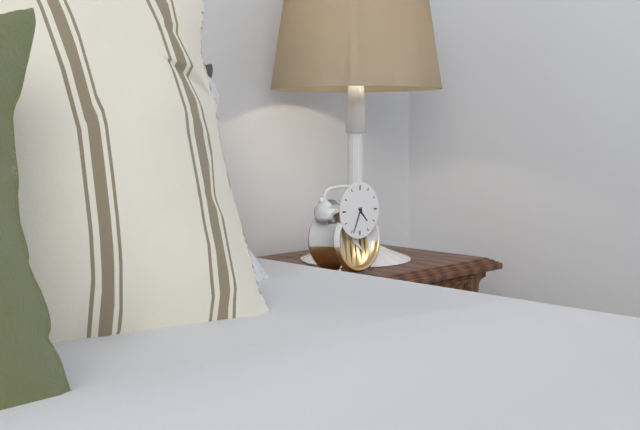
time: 4:34
